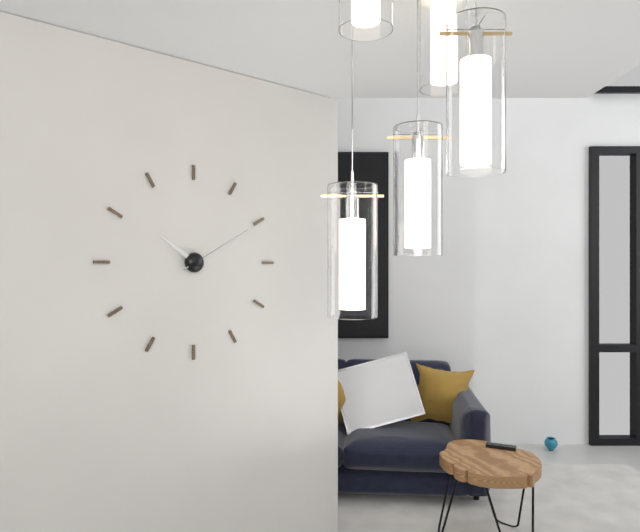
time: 10:10
